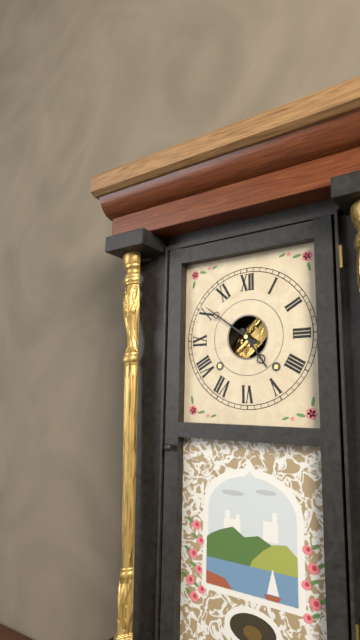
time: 4:51
